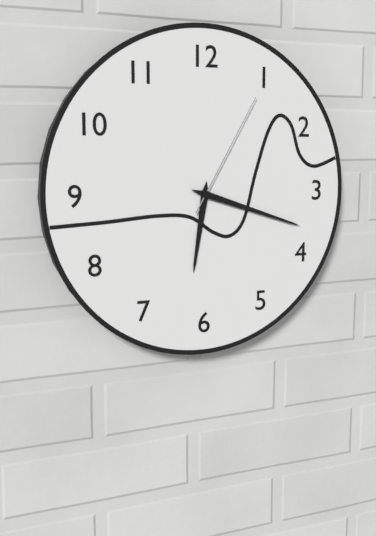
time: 6:18:05
